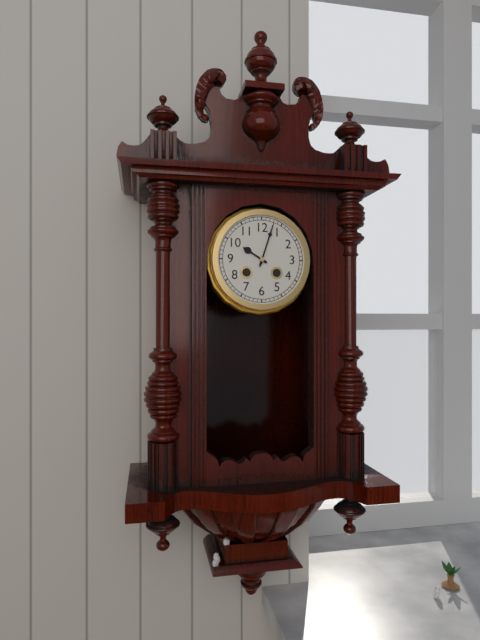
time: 10:03
